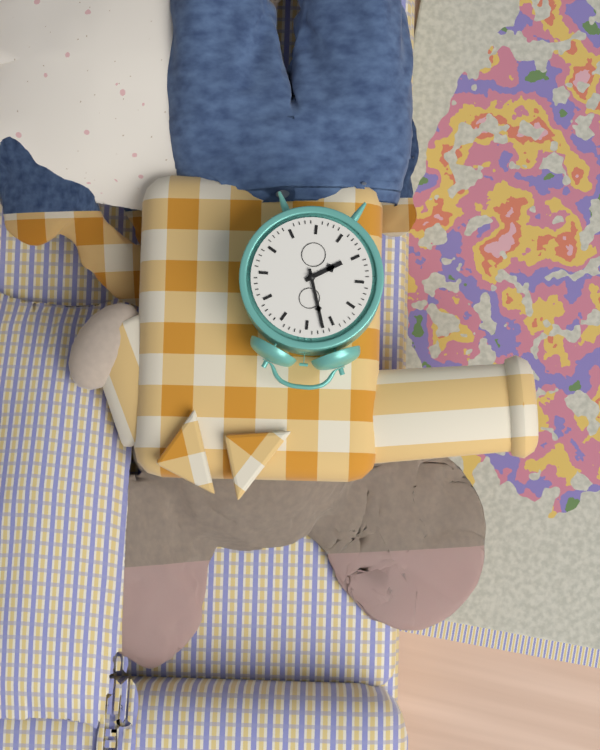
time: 7:57
